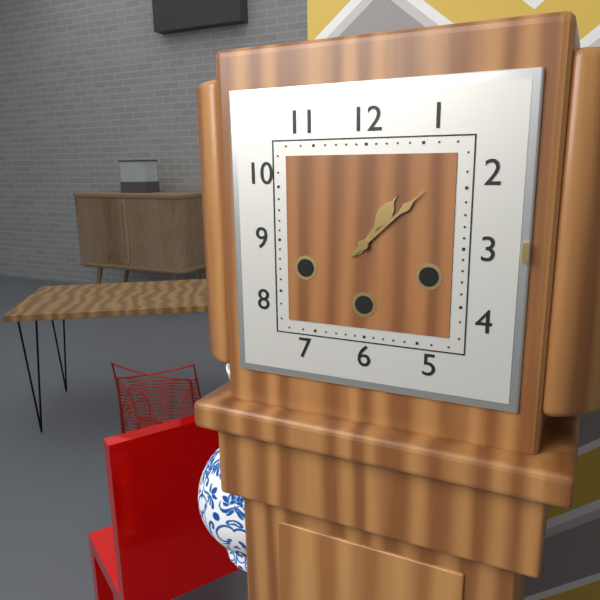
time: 1:08
